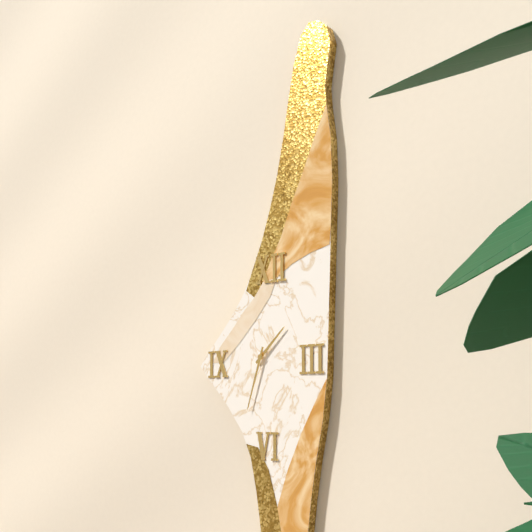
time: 1:33
